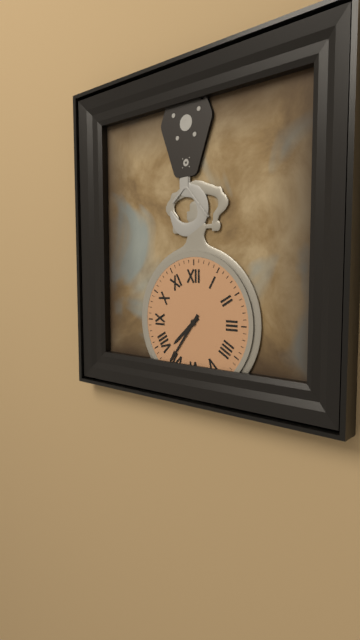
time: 7:36
